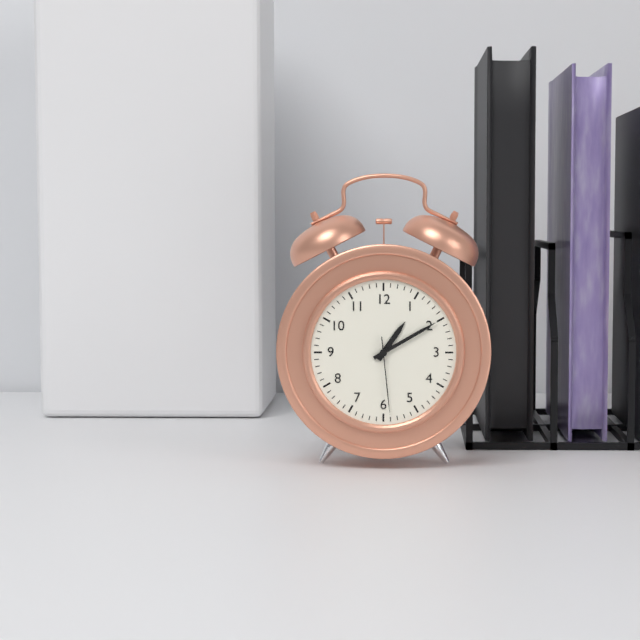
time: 1:10:29
